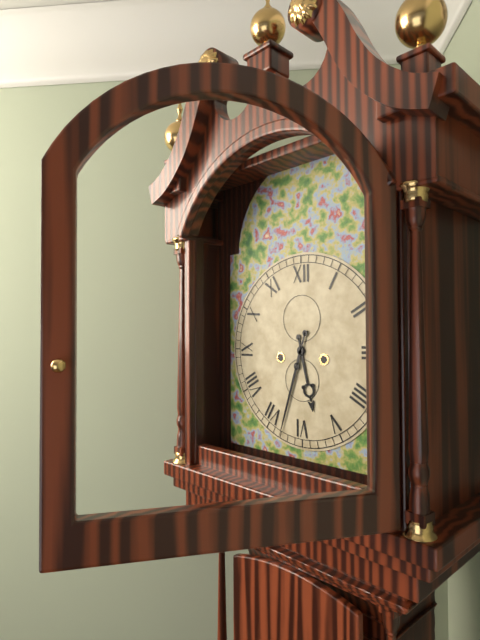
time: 5:33
